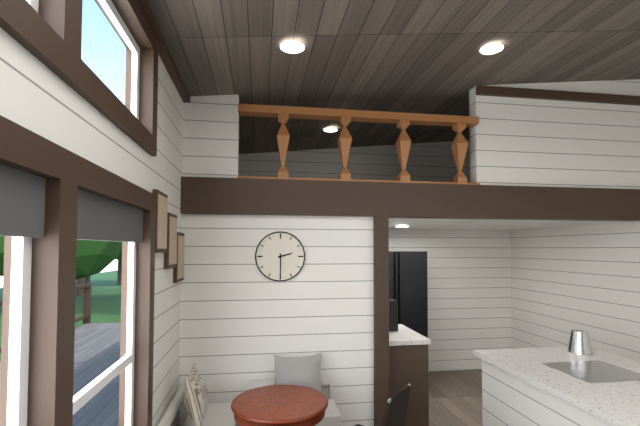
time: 2:30
